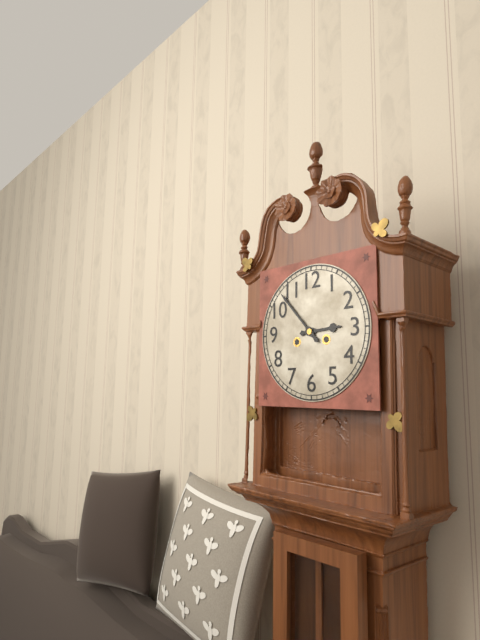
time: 2:53
